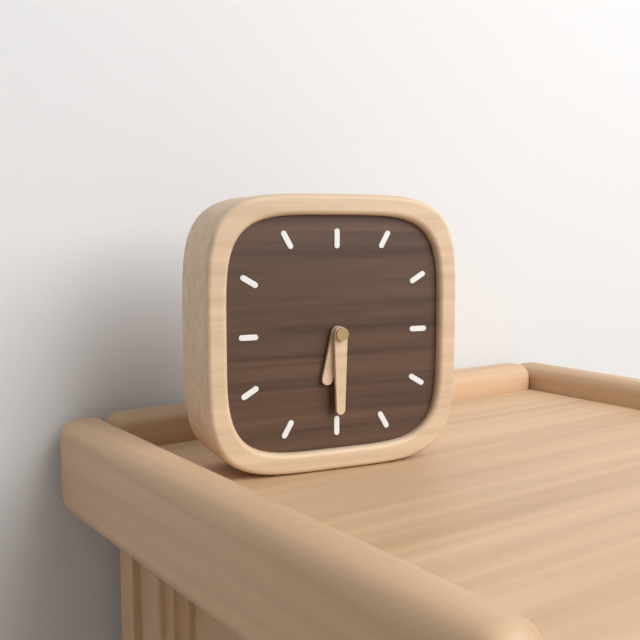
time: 6:30
